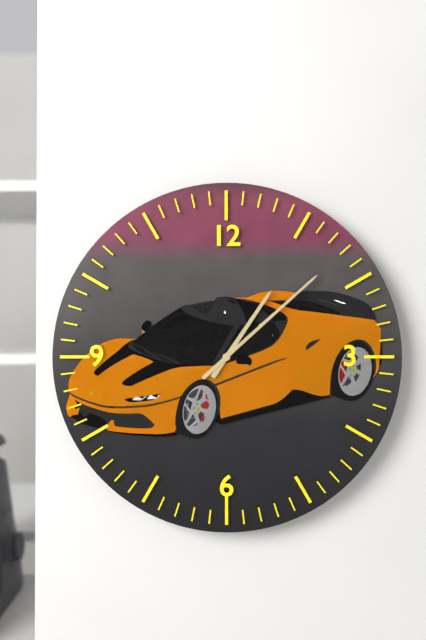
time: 1:08
